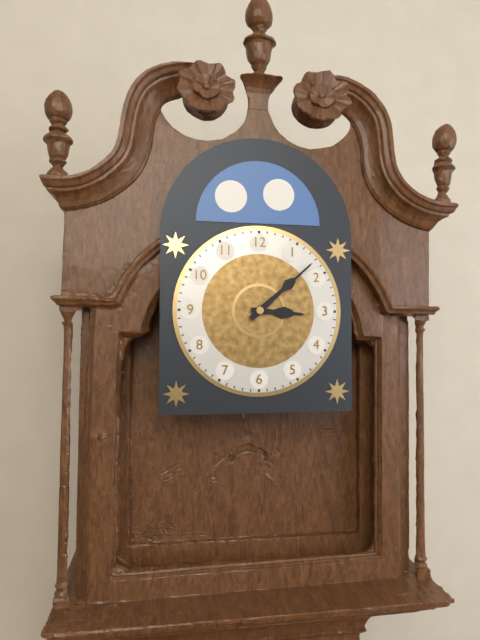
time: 3:08
